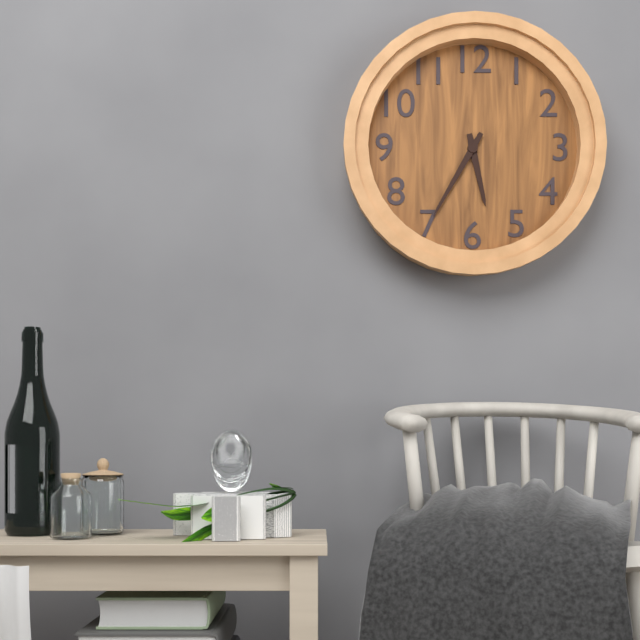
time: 5:35
